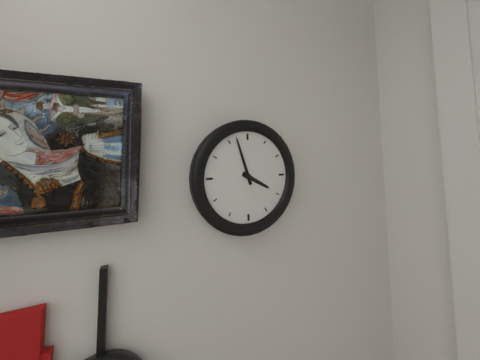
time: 3:57
